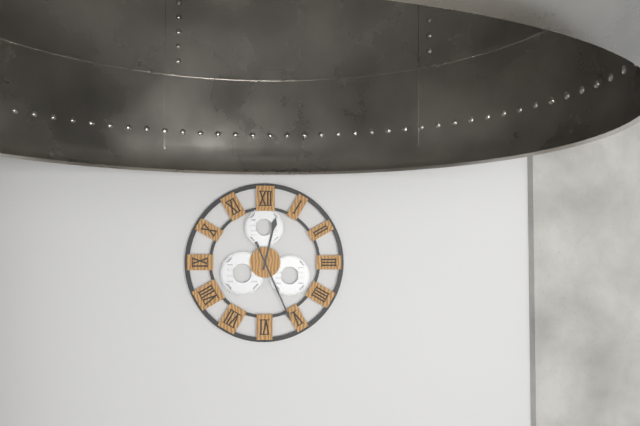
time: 12:26
